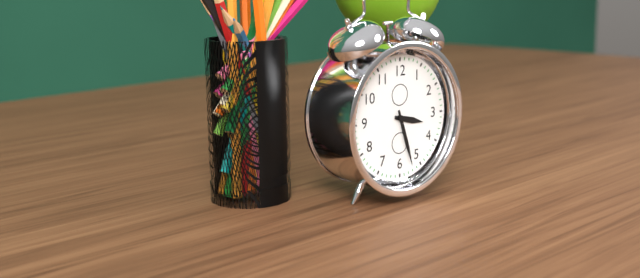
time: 3:27
